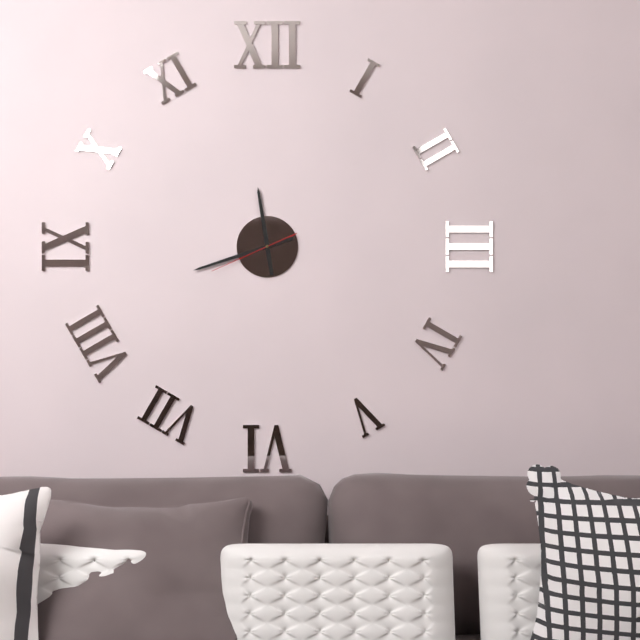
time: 11:42:41
